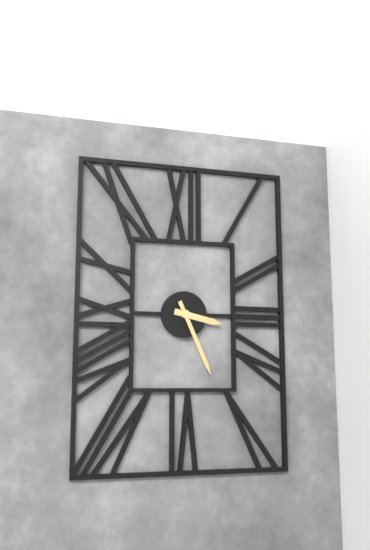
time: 3:26
